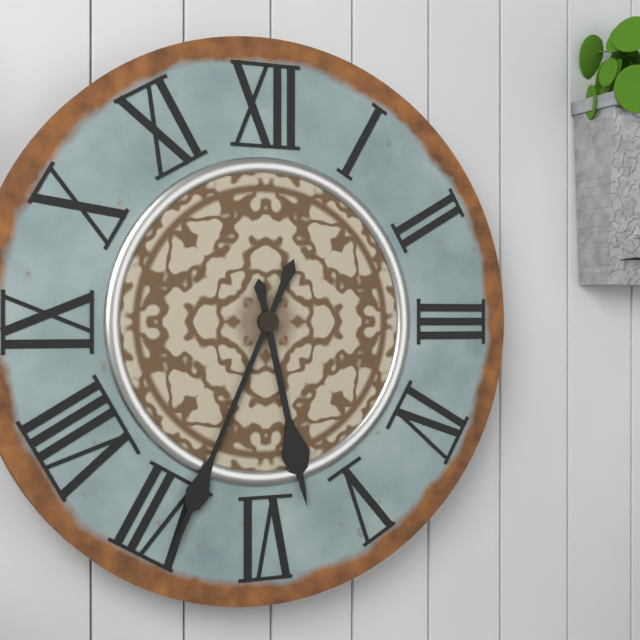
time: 5:34
